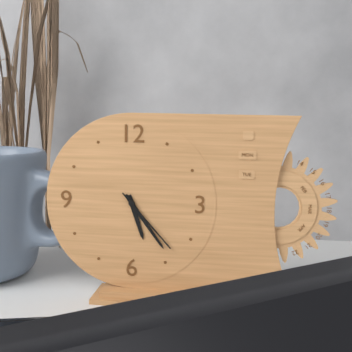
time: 5:24:23
